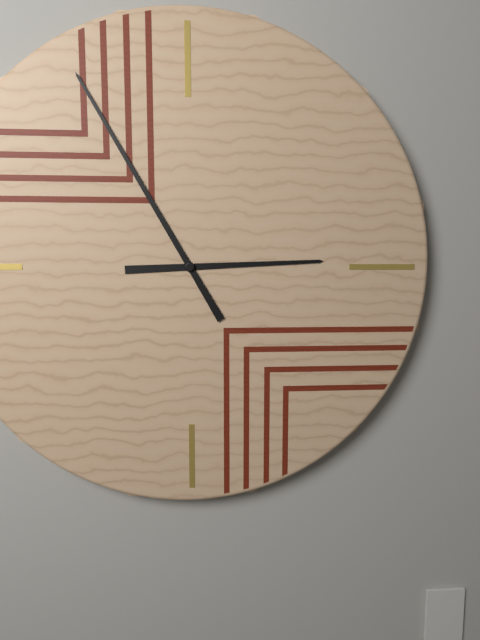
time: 2:55
